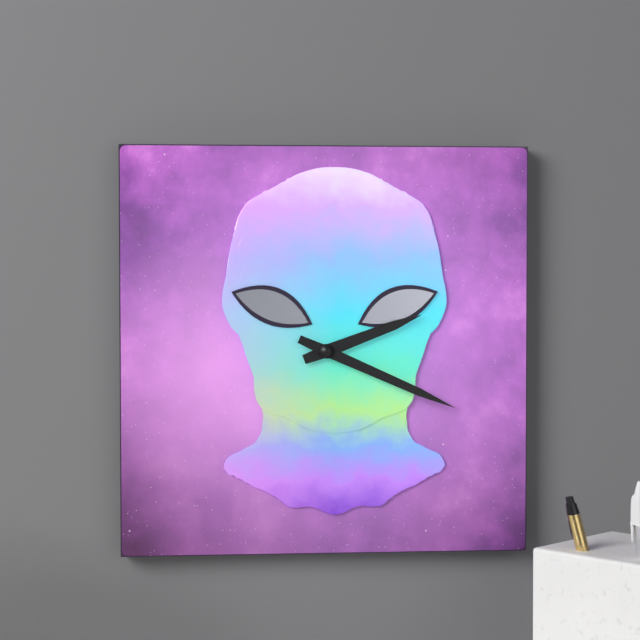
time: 2:19
